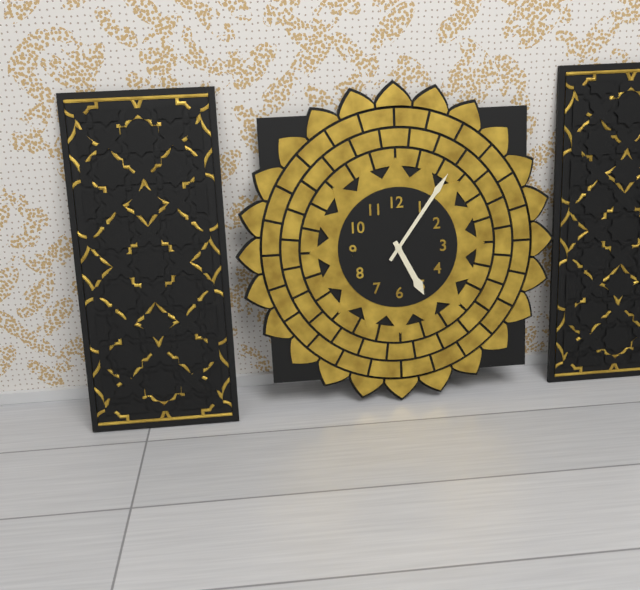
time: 5:06
